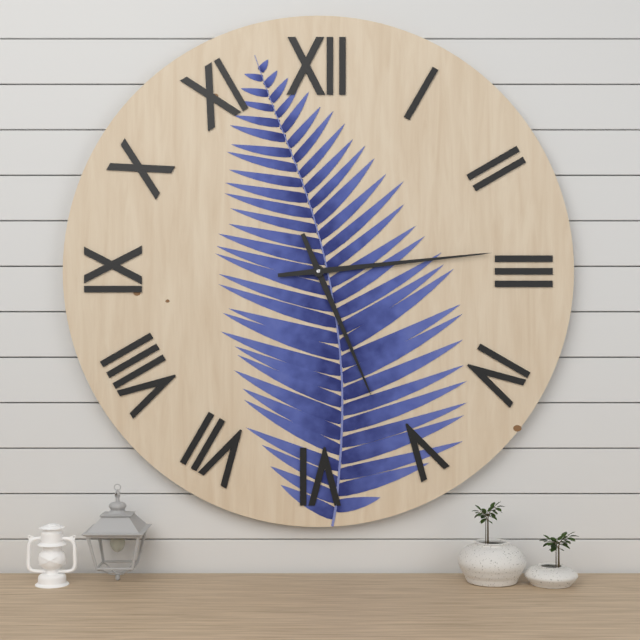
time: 5:14
